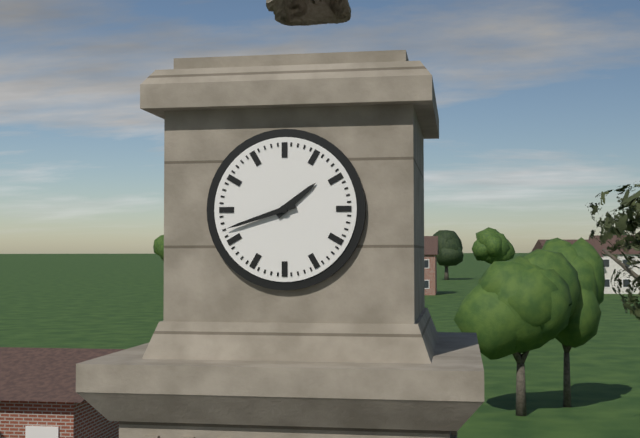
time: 1:42
